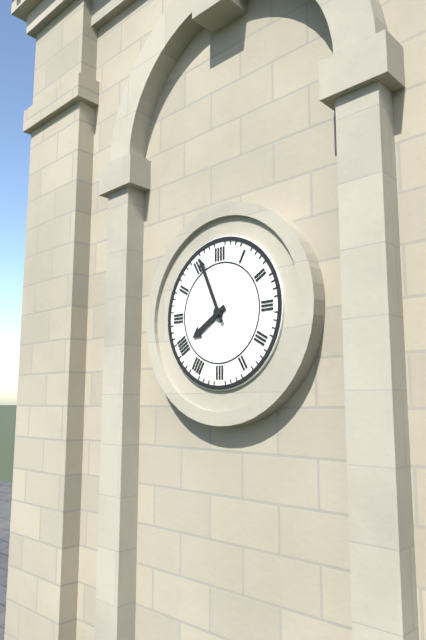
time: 7:56
